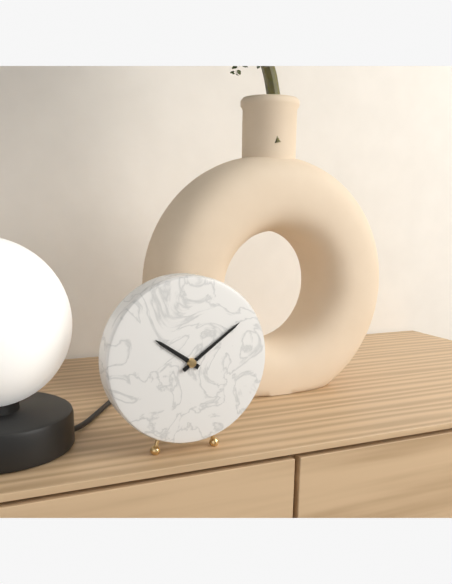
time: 10:09
